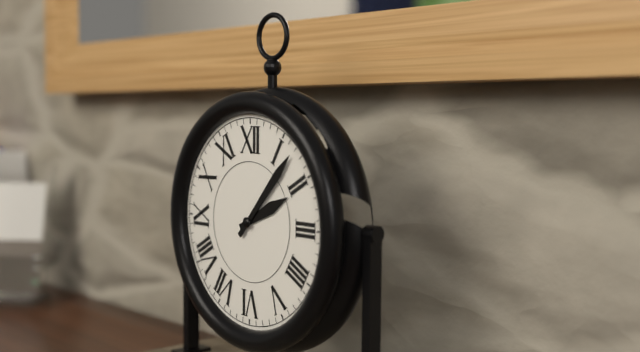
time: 2:07
